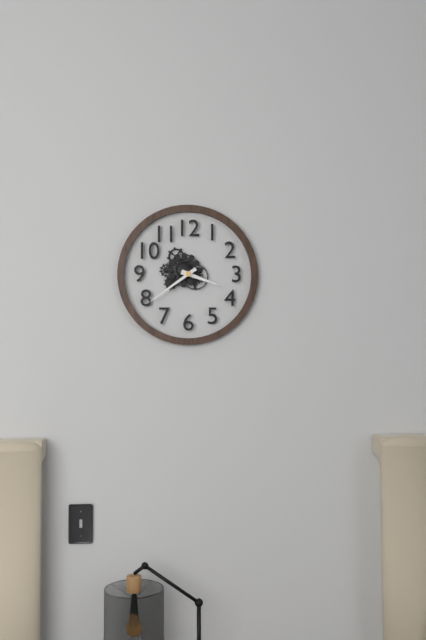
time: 3:39
